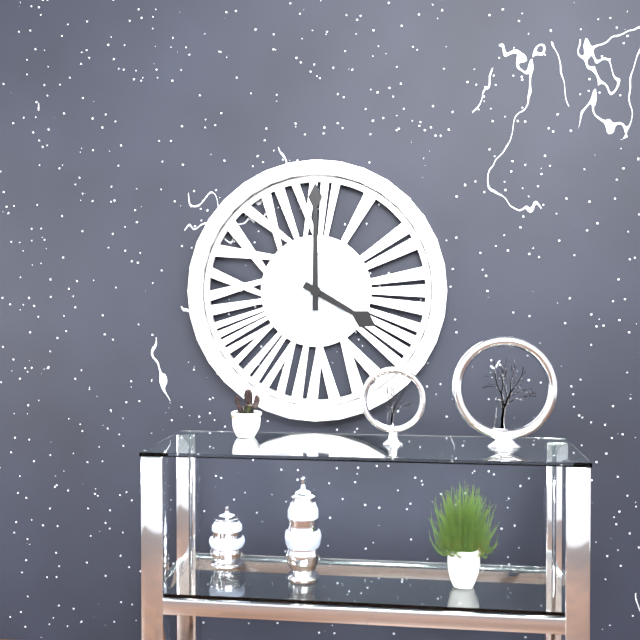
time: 4:00
